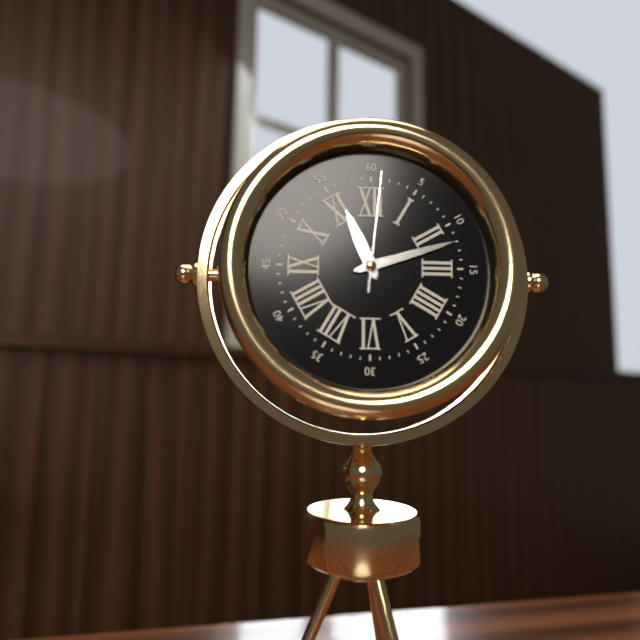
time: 11:12:01
